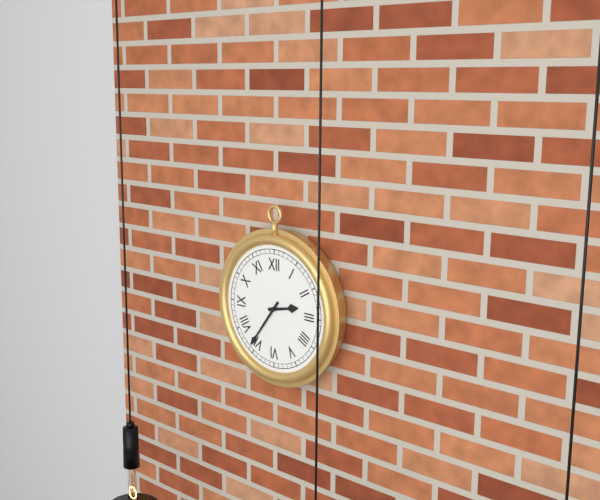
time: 2:36
